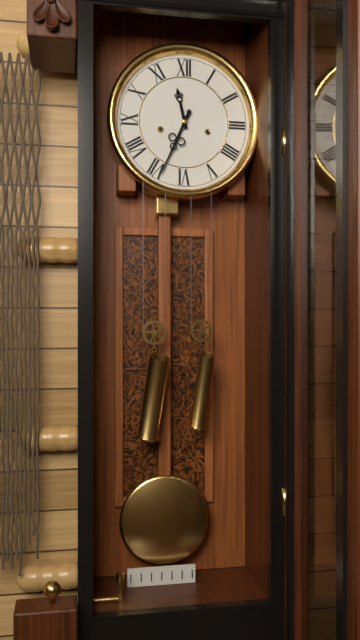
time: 11:34
